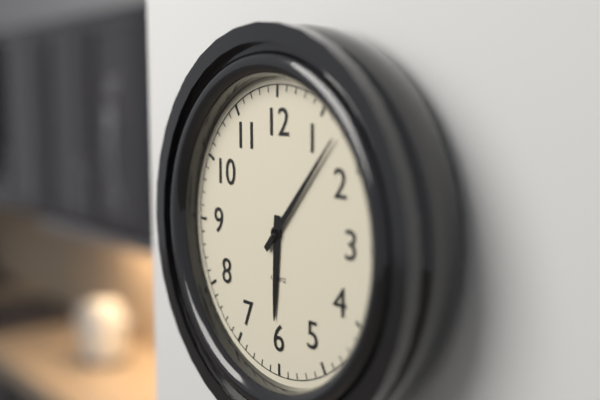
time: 6:07
